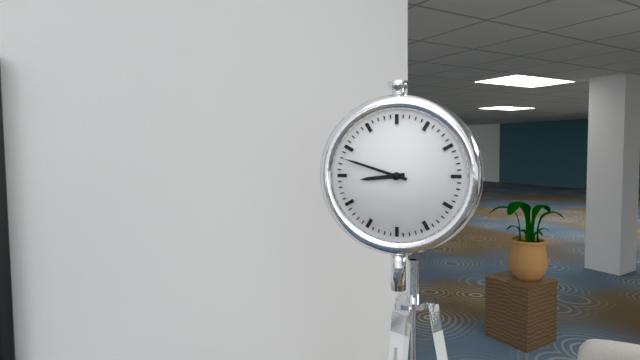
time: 8:48
